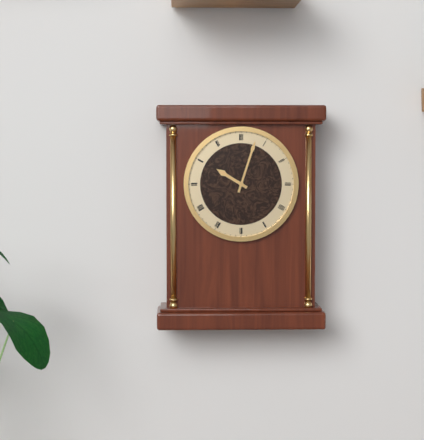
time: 10:03
